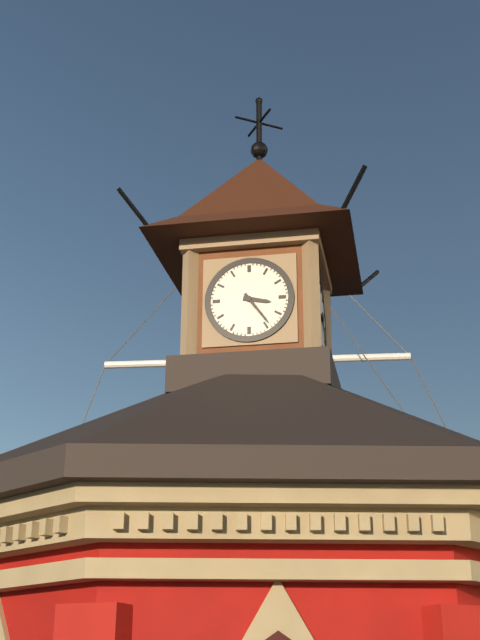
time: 3:24
